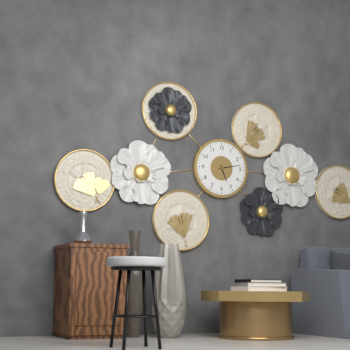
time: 5:13
